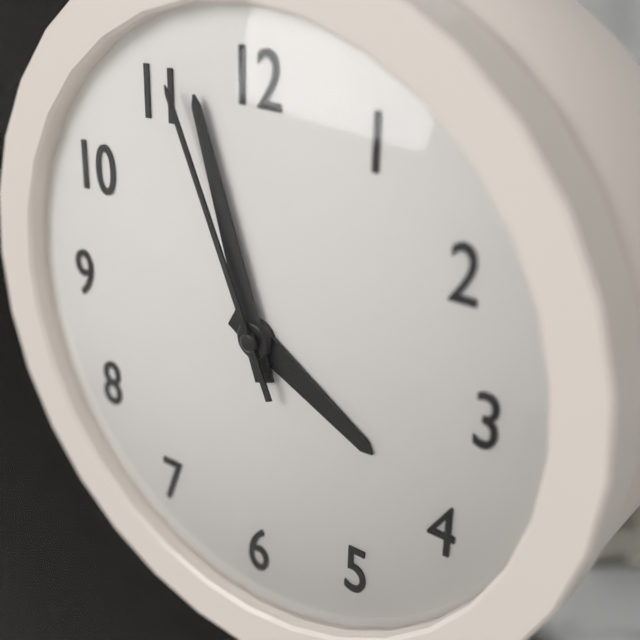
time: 3:57:56
